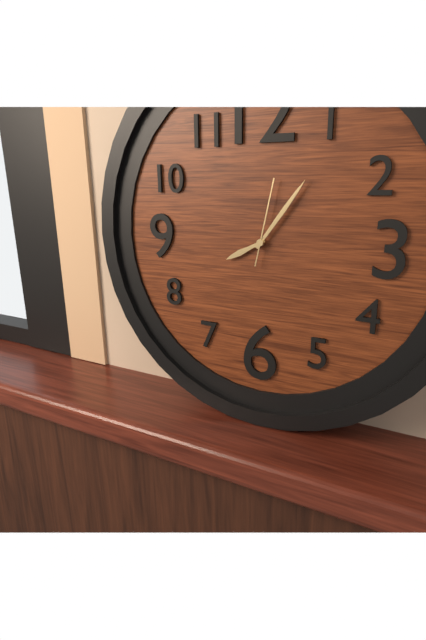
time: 8:06:02
